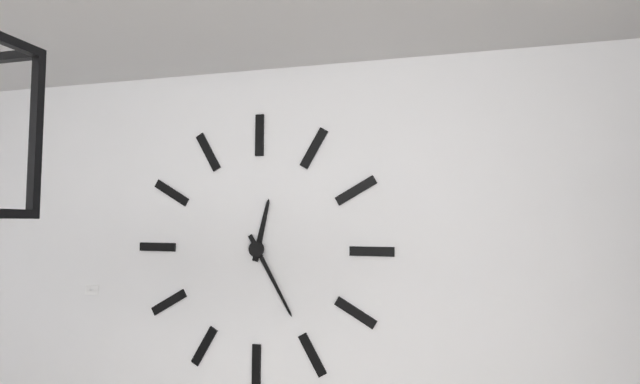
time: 12:25
